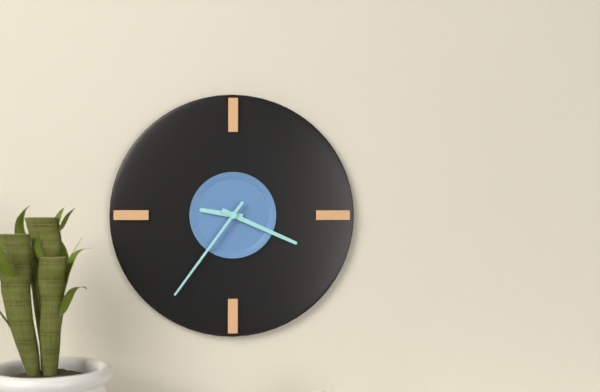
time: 9:19:36
